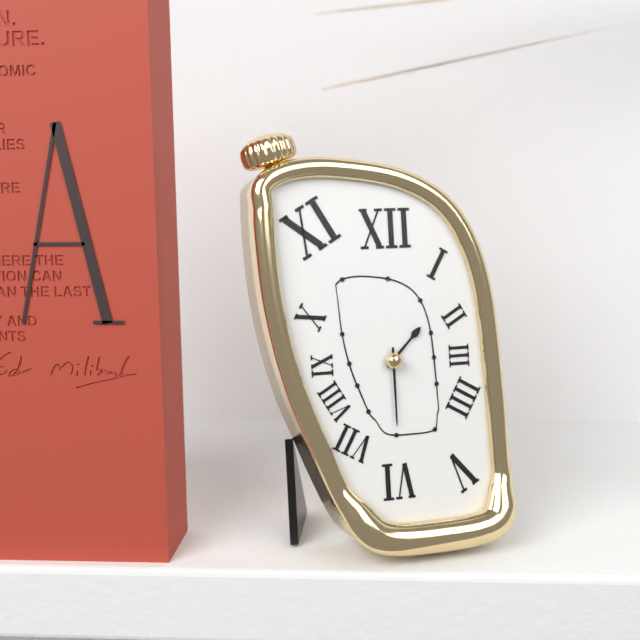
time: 1:30
